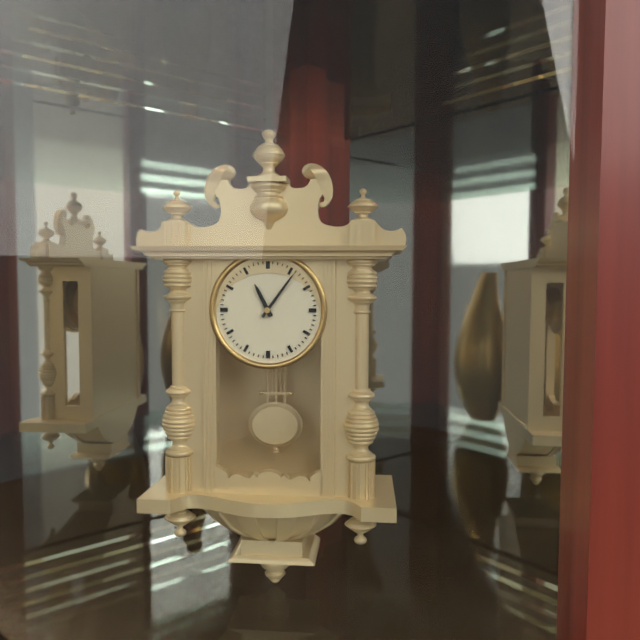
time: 11:06
